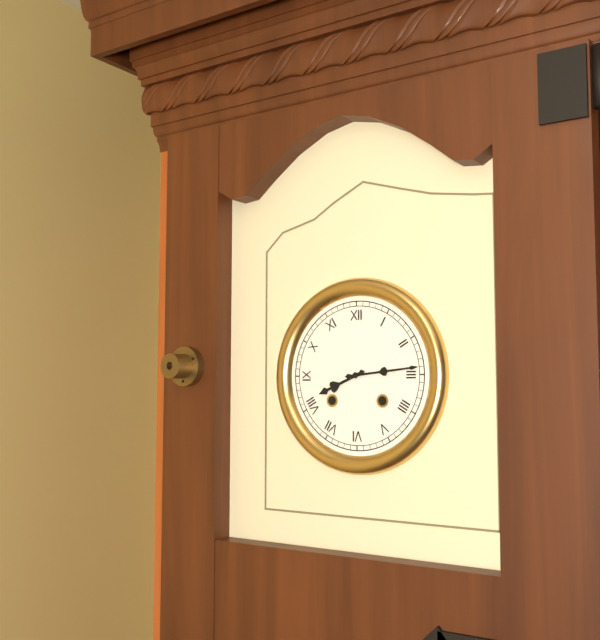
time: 8:14
